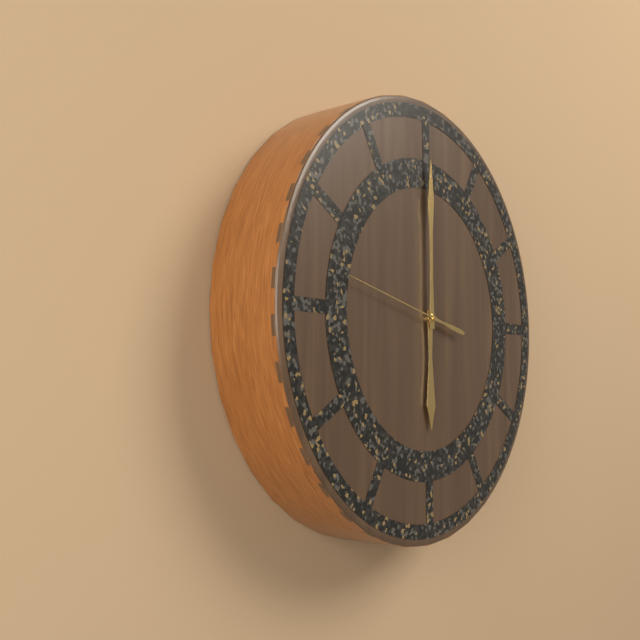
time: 6:00:47
